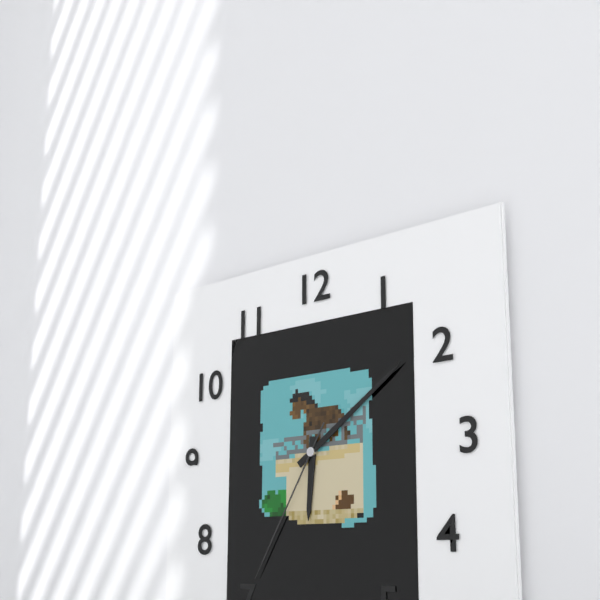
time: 6:09:35
